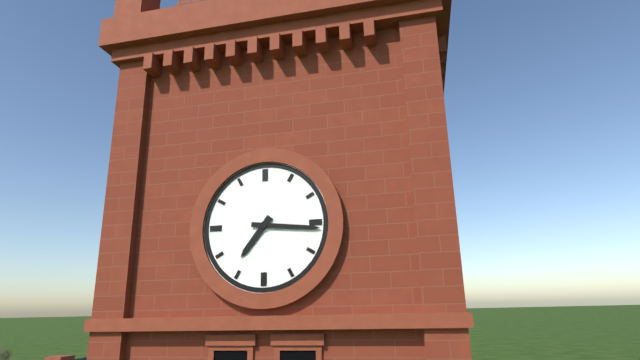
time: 7:16
